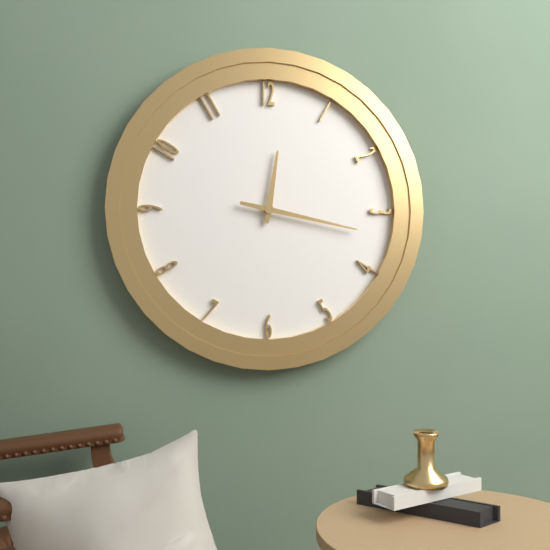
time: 12:17
